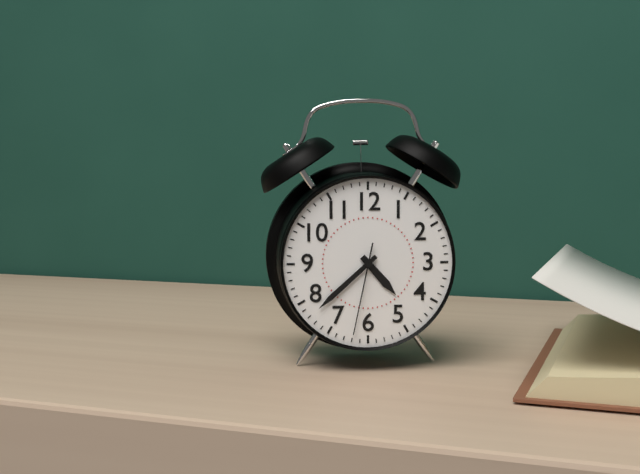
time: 4:38:32
